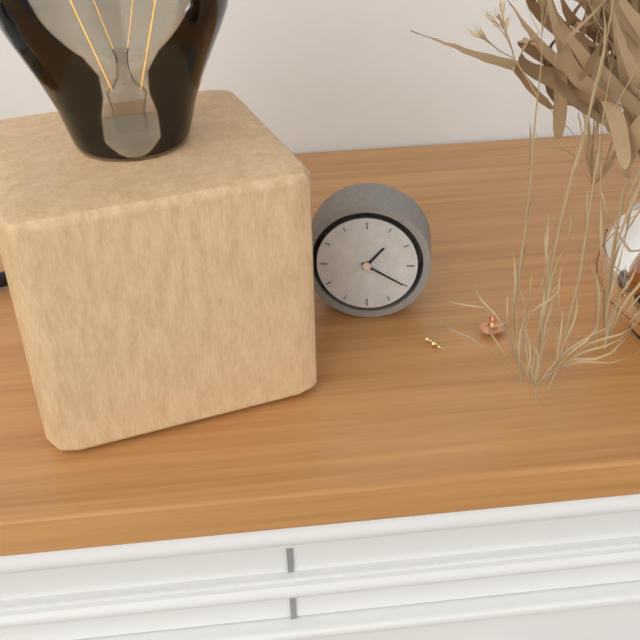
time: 1:20
